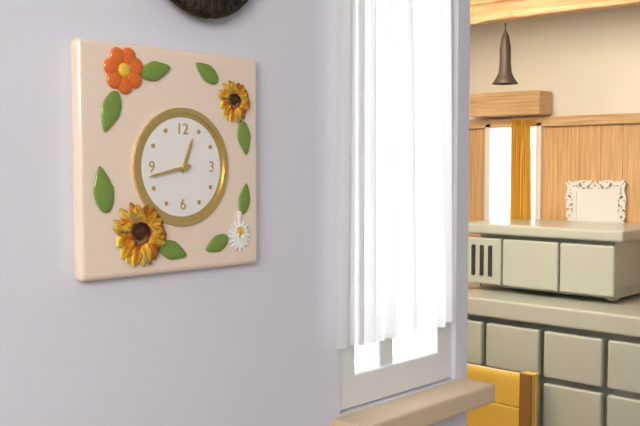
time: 12:43
